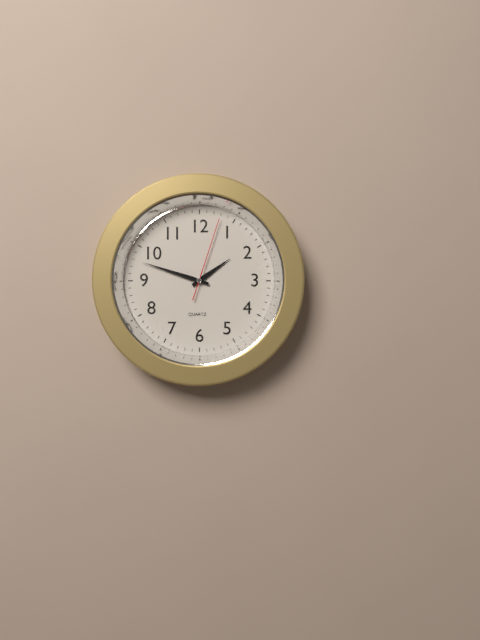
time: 1:48:03
